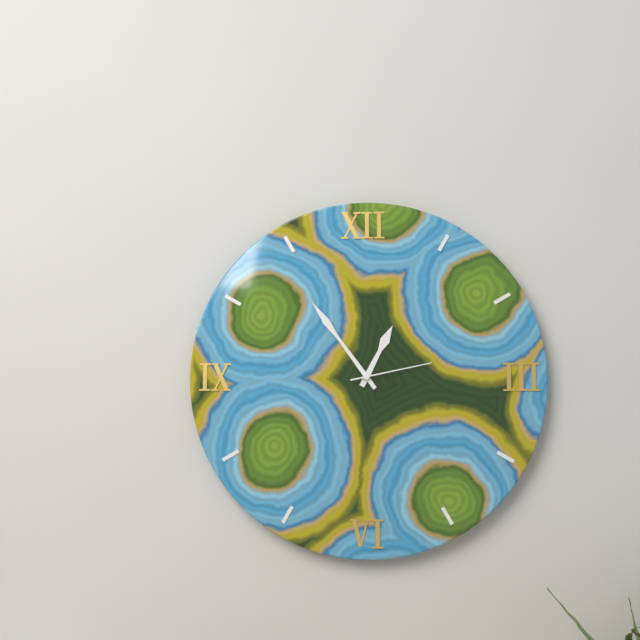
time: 12:54:13
